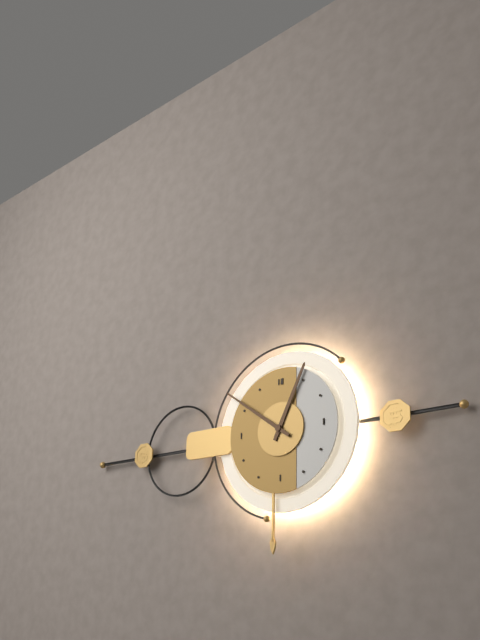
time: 12:51
